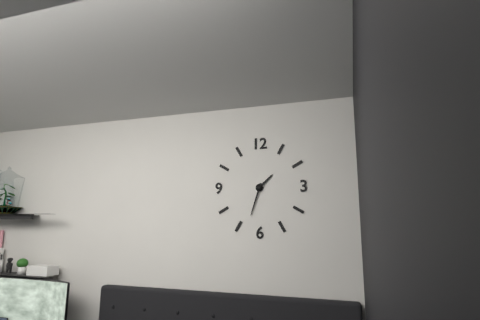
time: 1:33
